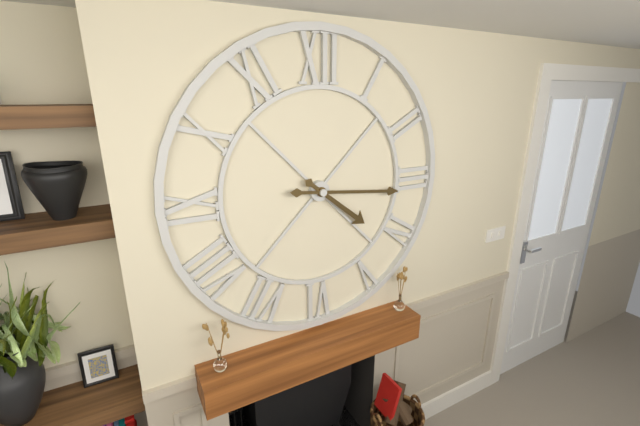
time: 4:16
